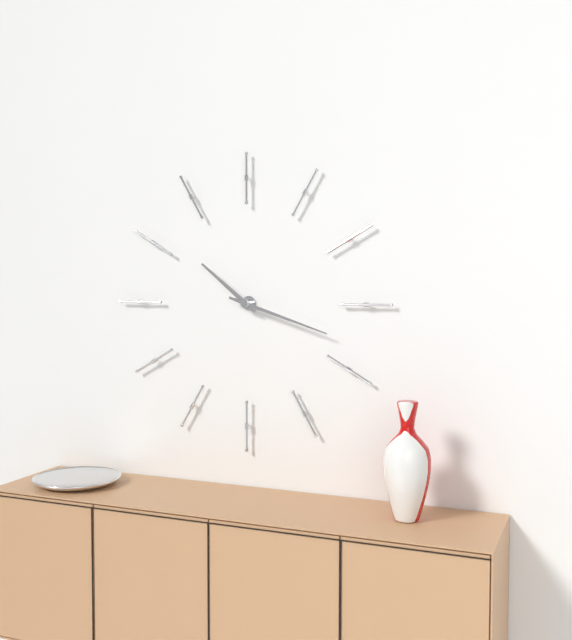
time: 10:18
